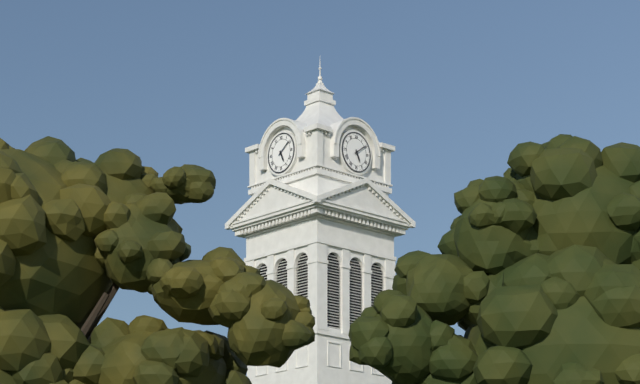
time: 5:09
